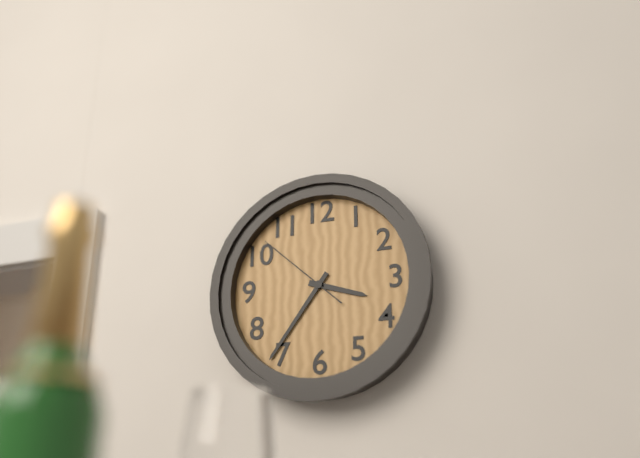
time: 3:36:52
